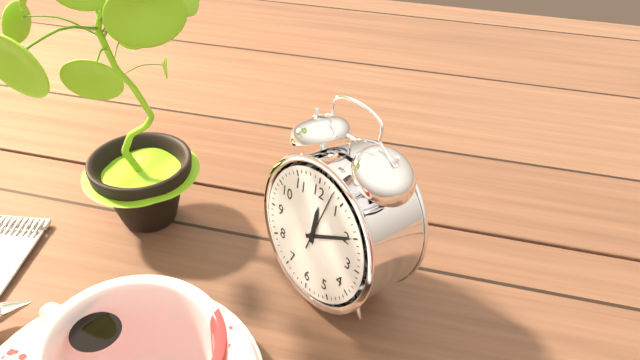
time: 12:10:03
